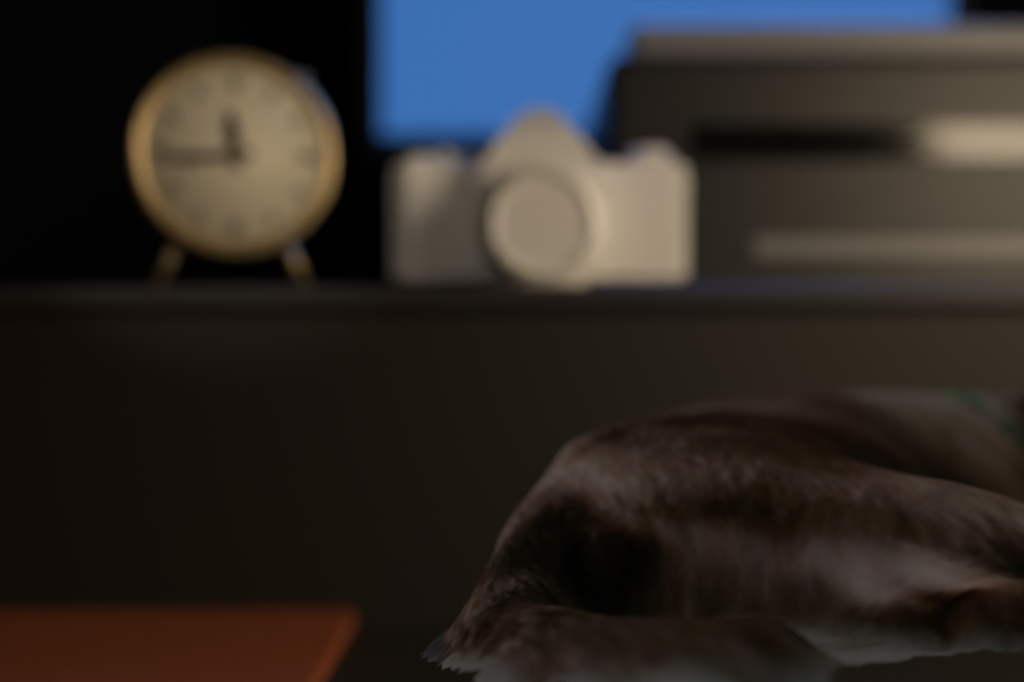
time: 11:44
